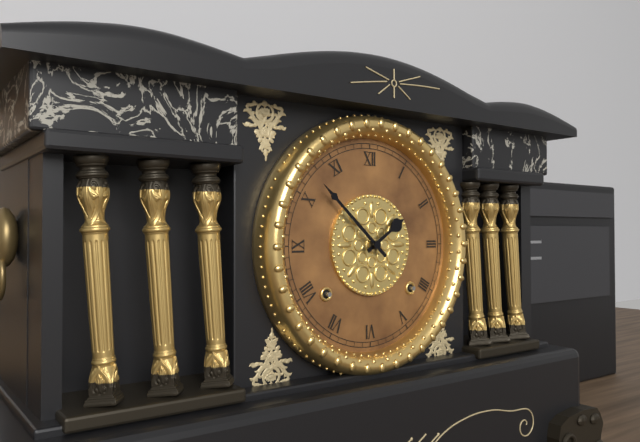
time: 1:52
